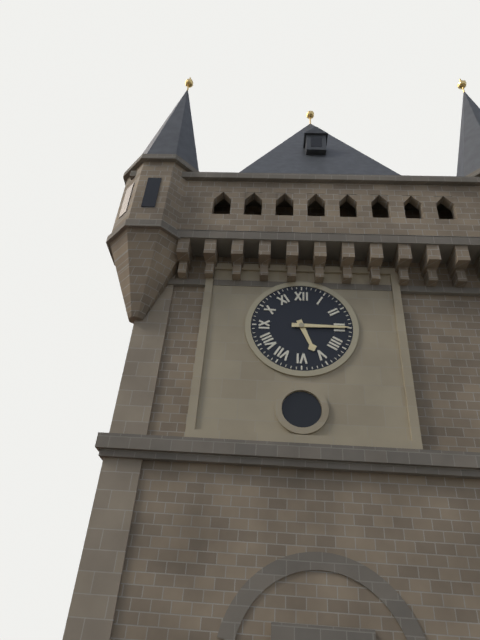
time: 5:15
